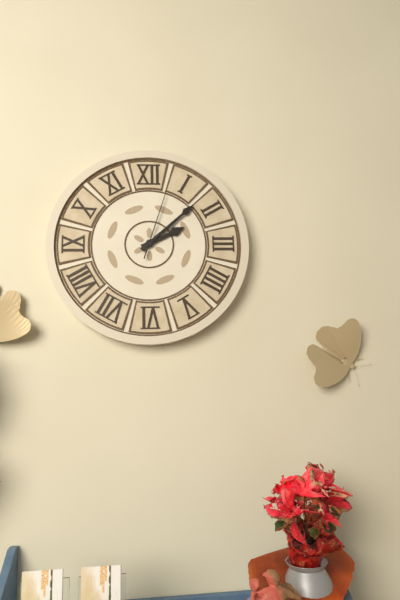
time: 2:08:03
